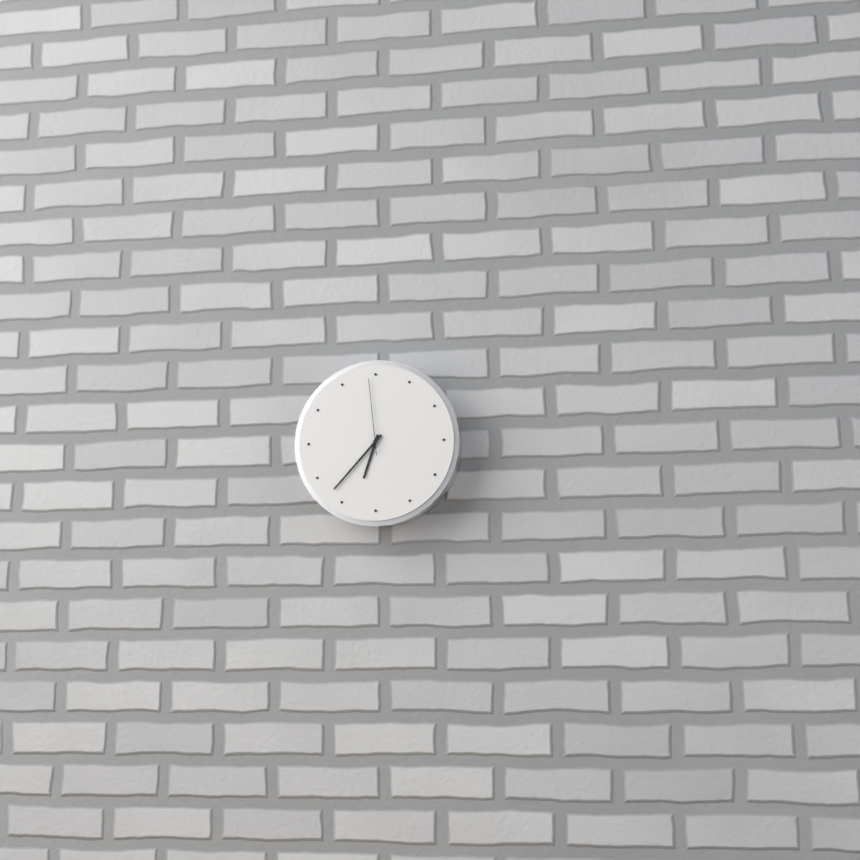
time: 6:37:59
